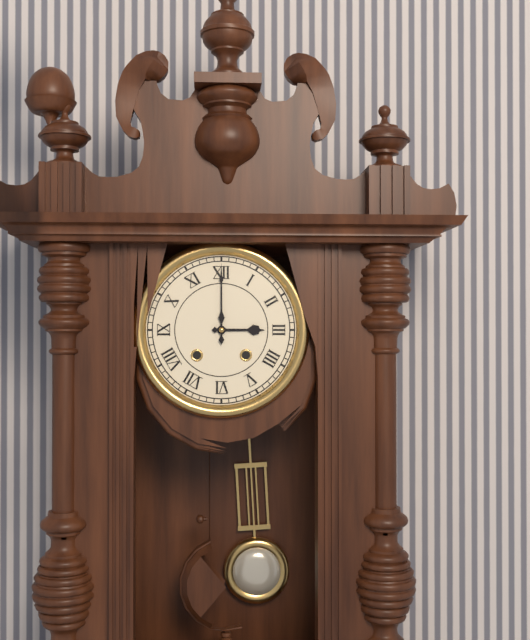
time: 3:00
